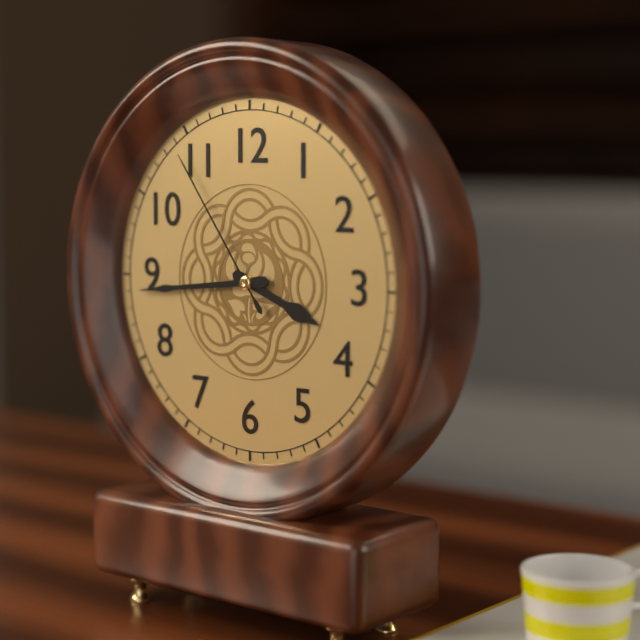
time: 3:44:54
